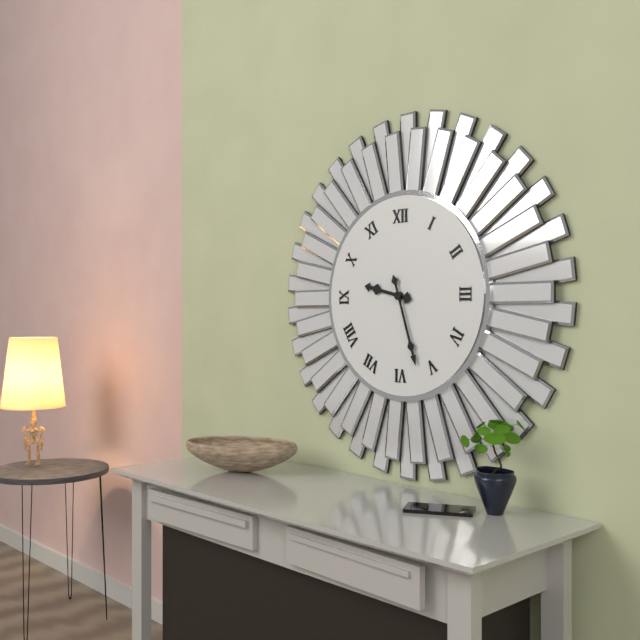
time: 9:27
